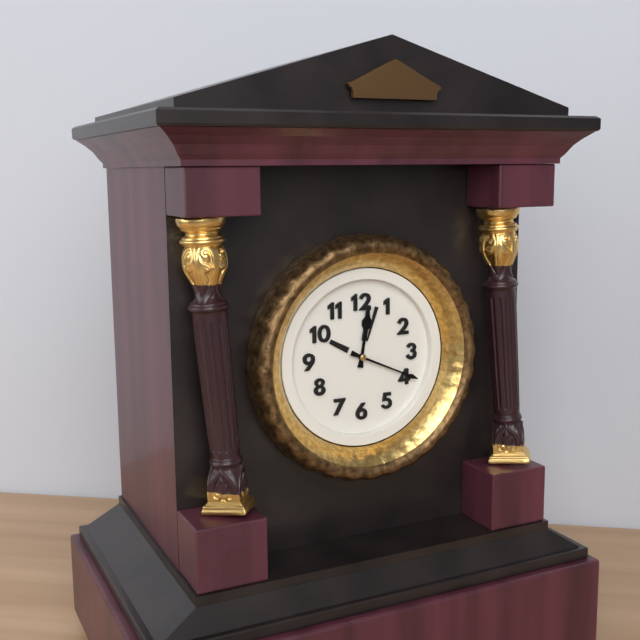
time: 12:19
